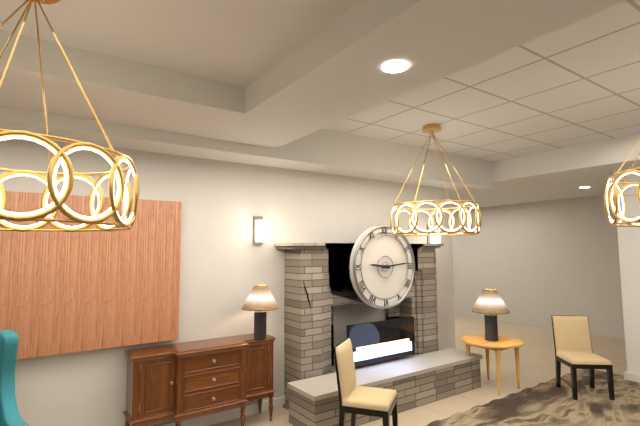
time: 9:14
